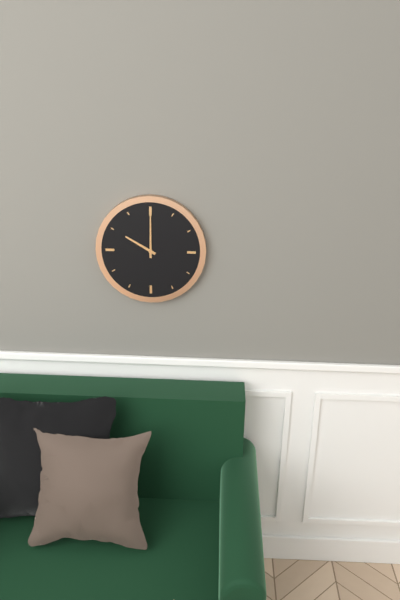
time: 10:00
